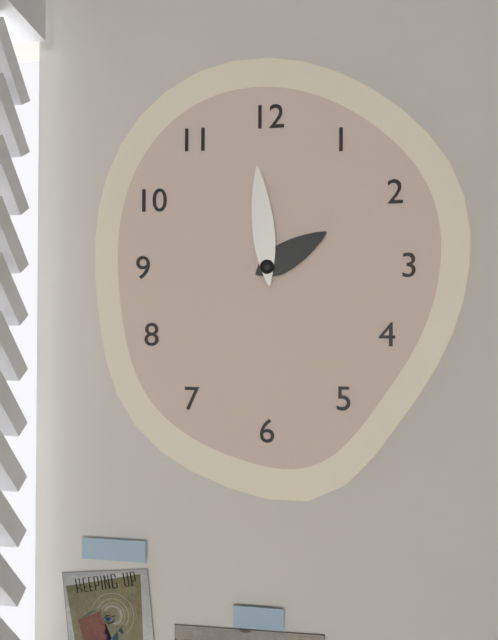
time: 1:59
